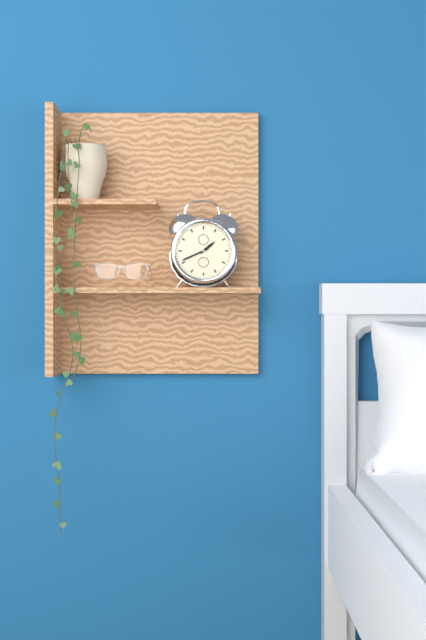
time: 1:41
